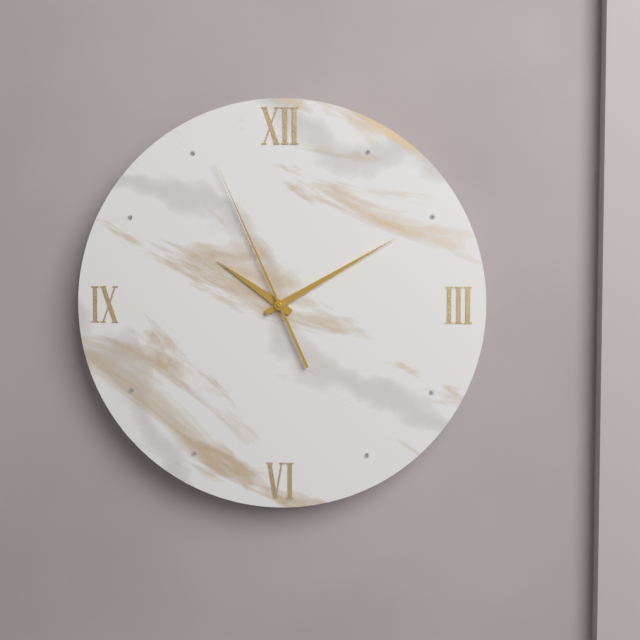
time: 10:10:56
